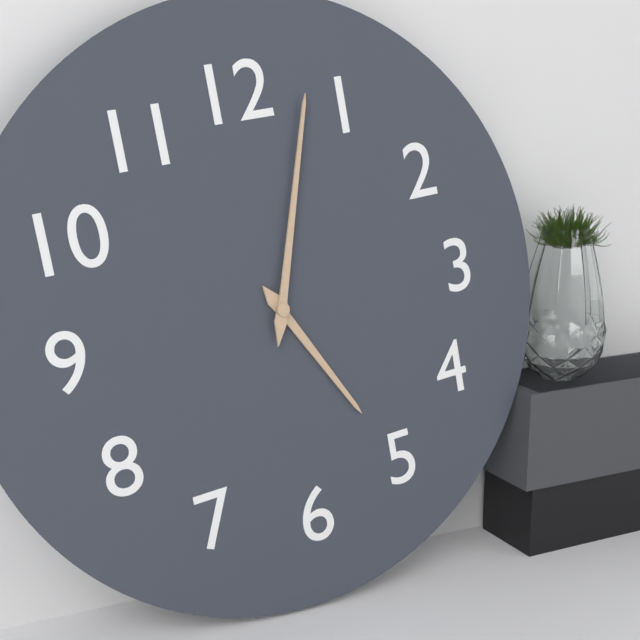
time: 5:03
